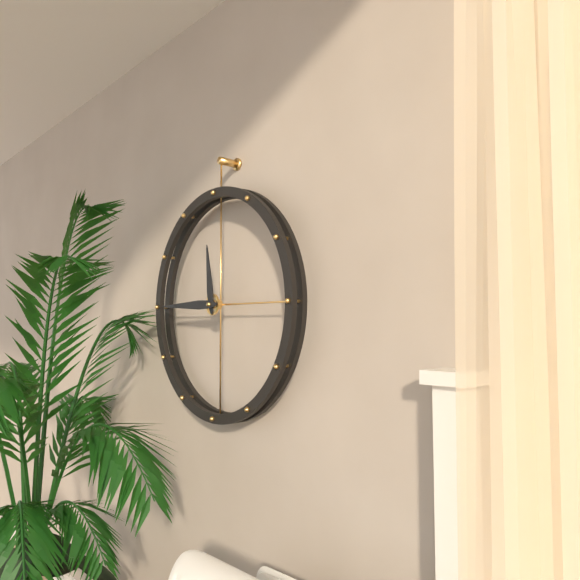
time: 11:45
